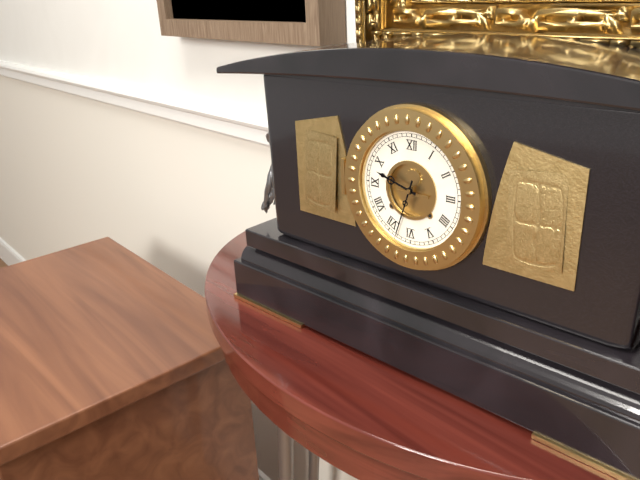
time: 9:33
